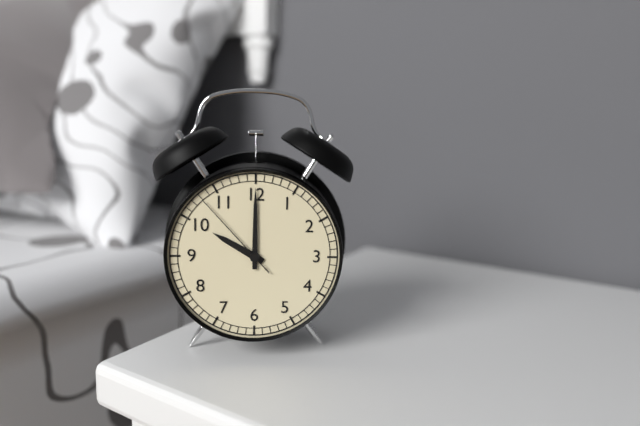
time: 10:00:53
